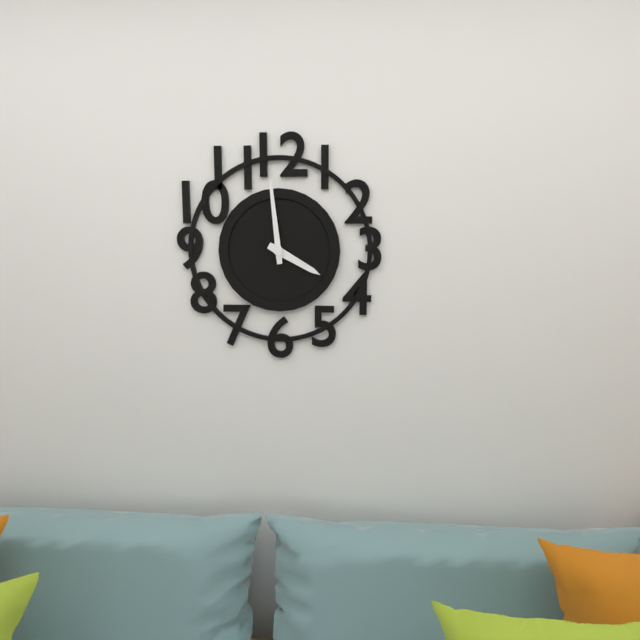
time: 3:59
